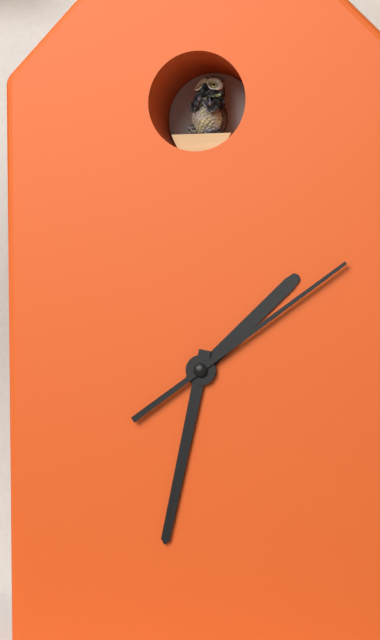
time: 1:32:09
